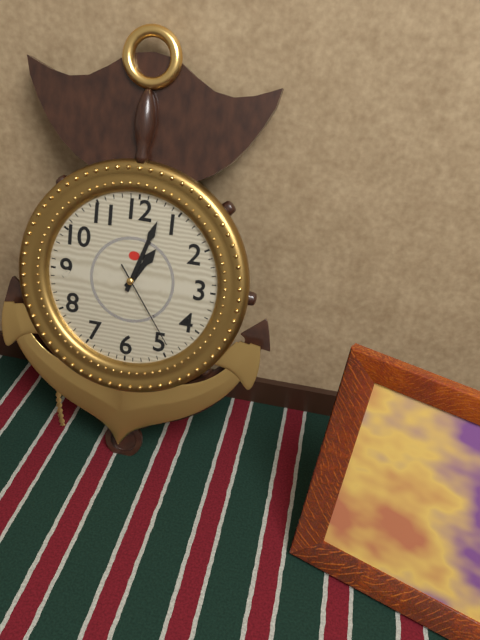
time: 1:03:24
